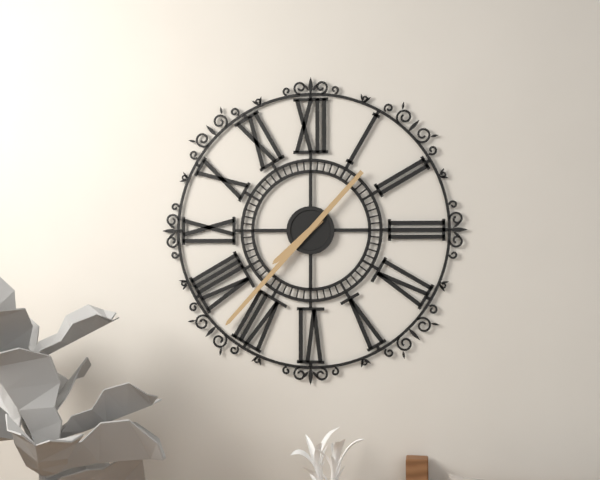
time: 7:37
